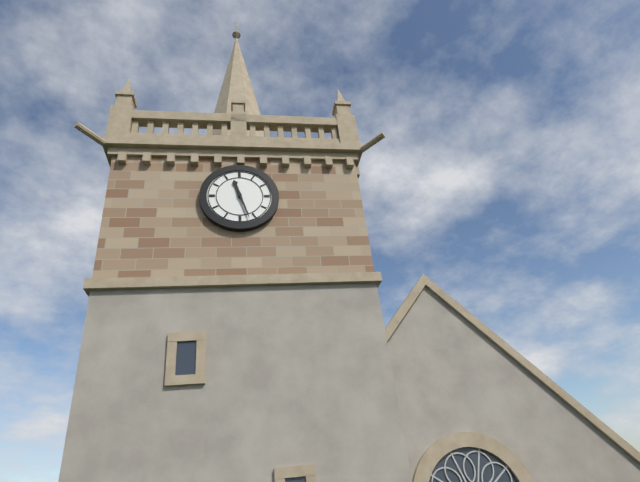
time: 11:27
